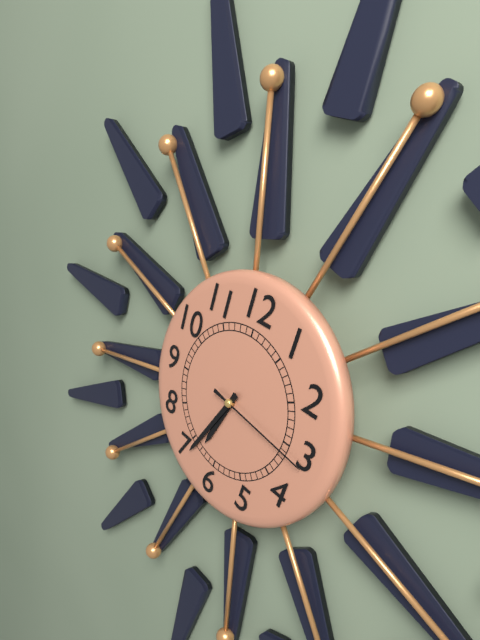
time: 6:34:16
